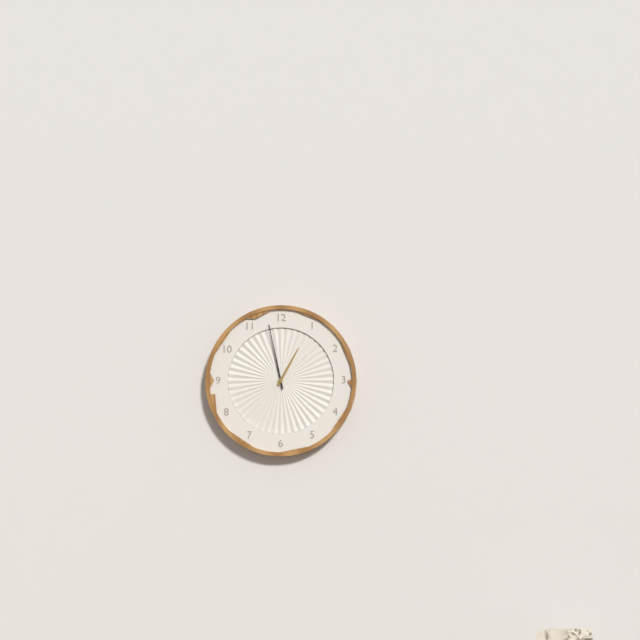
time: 12:58
